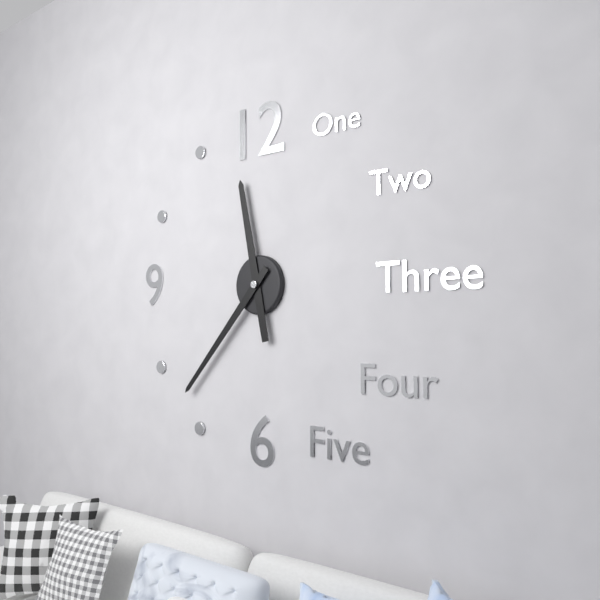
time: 11:37
